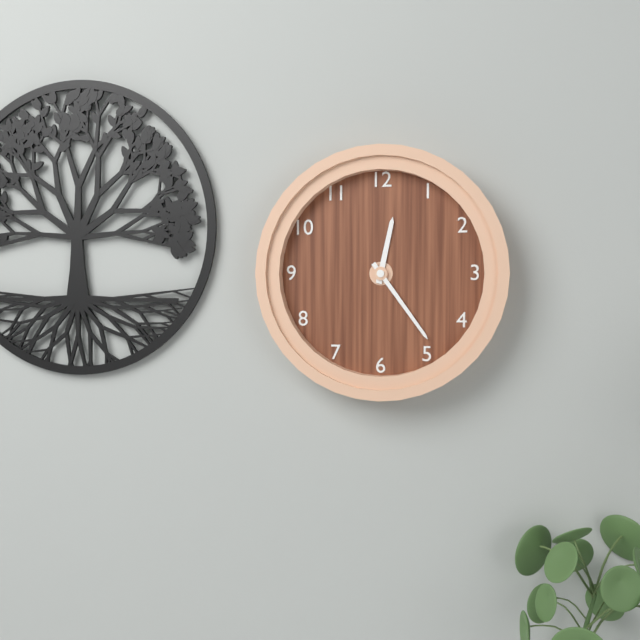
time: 12:24
